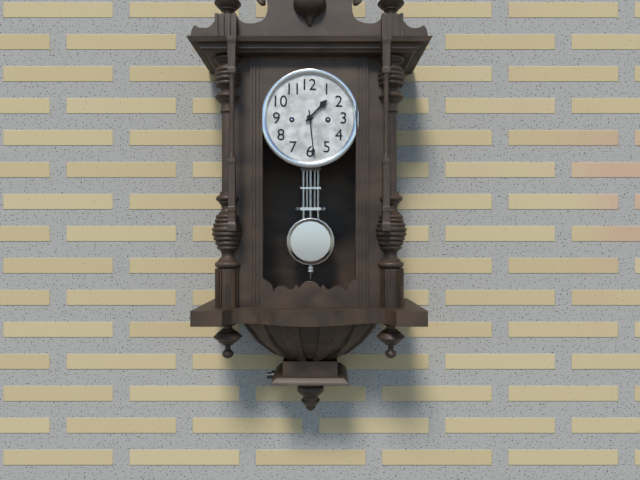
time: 1:29
